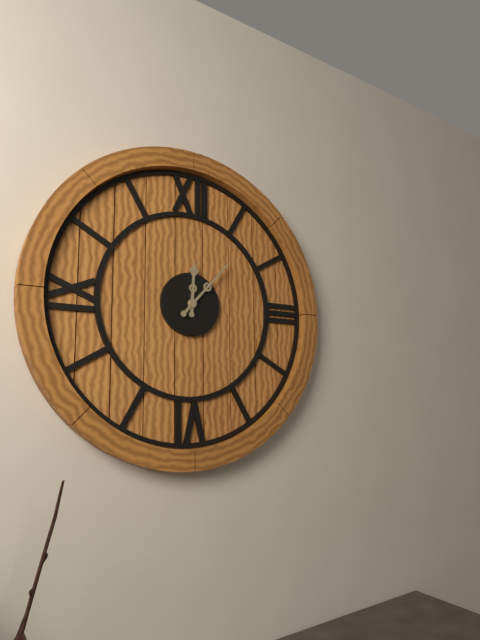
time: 12:07
